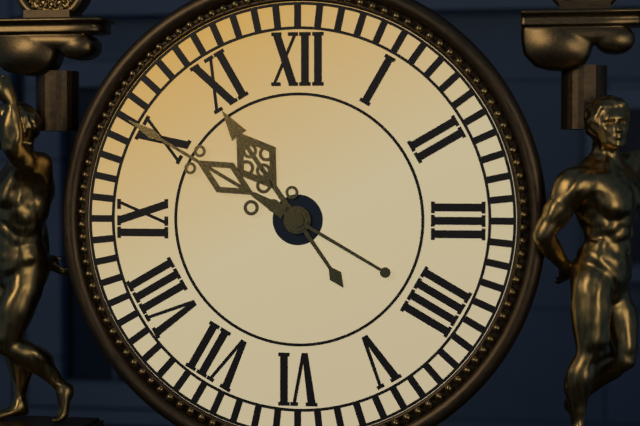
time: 10:50
